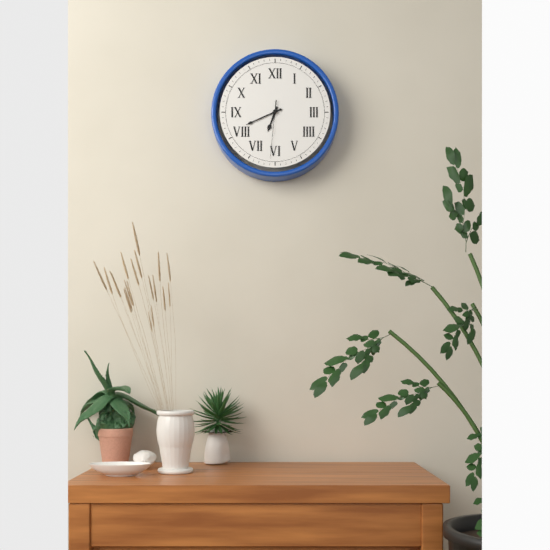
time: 6:41:31
